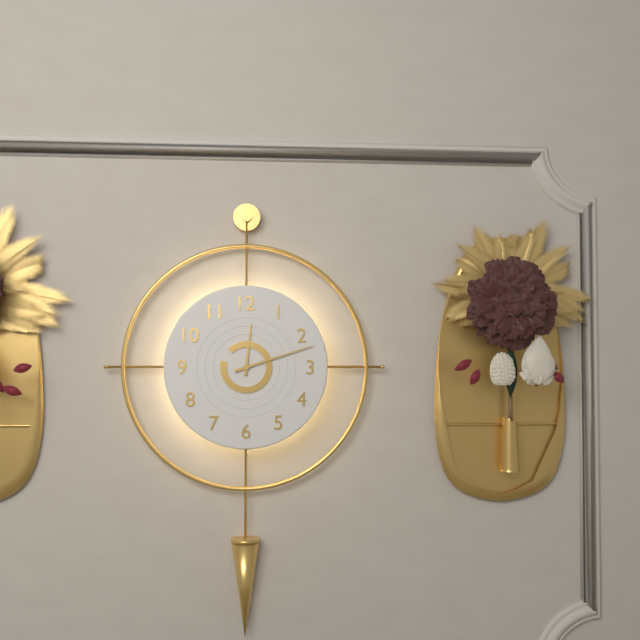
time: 12:12
